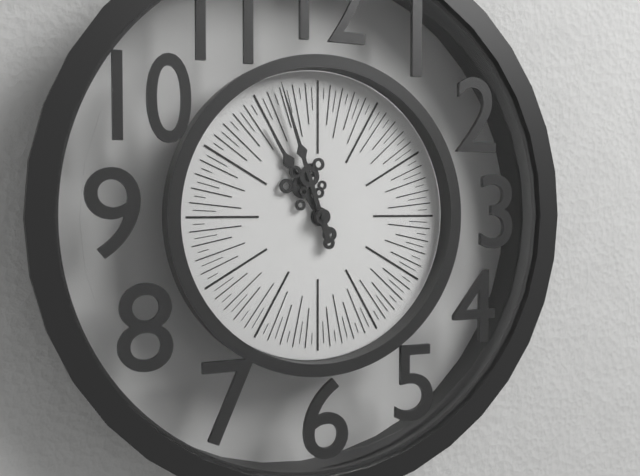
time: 10:57
